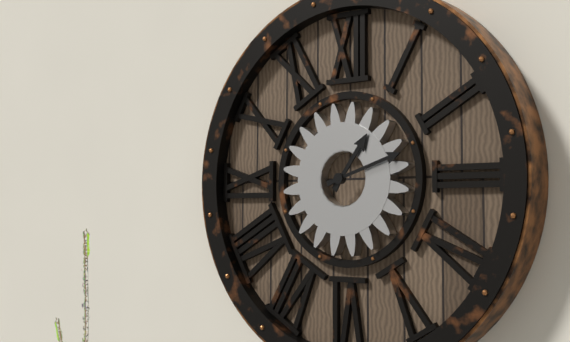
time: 1:12
